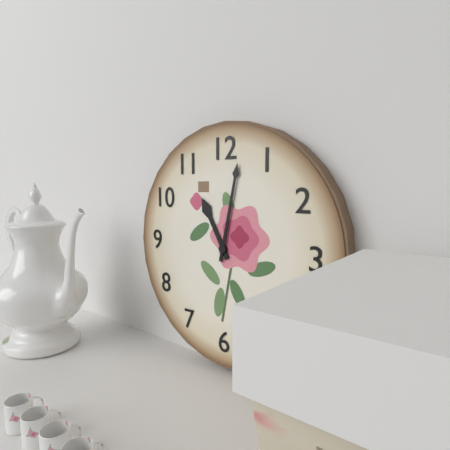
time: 11:02
